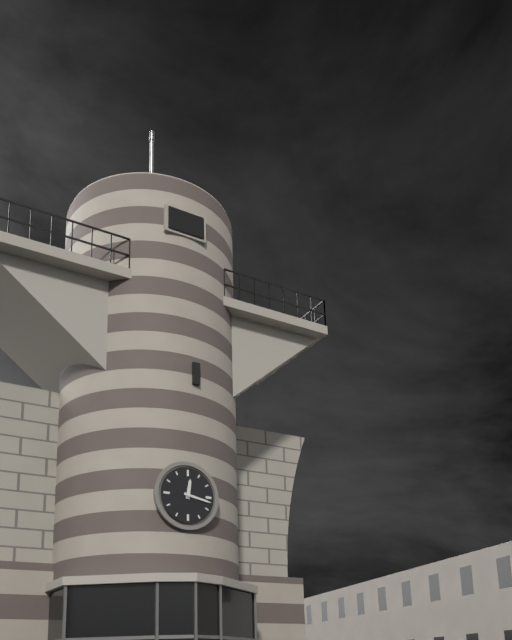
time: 12:17
